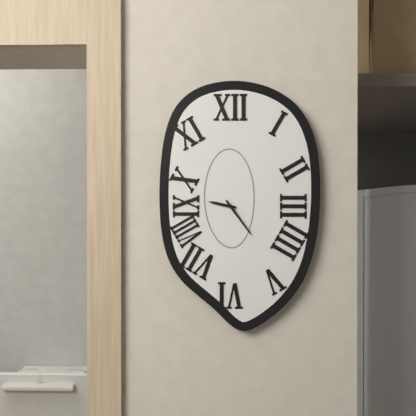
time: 9:24
